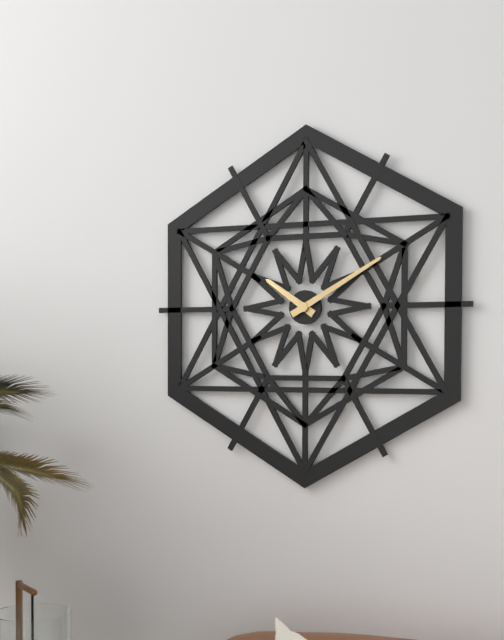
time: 10:10
